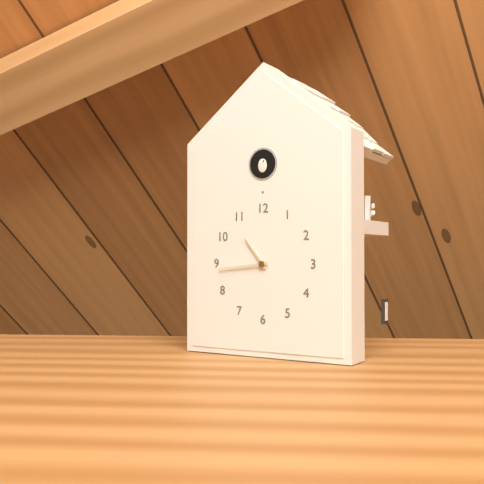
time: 10:44
